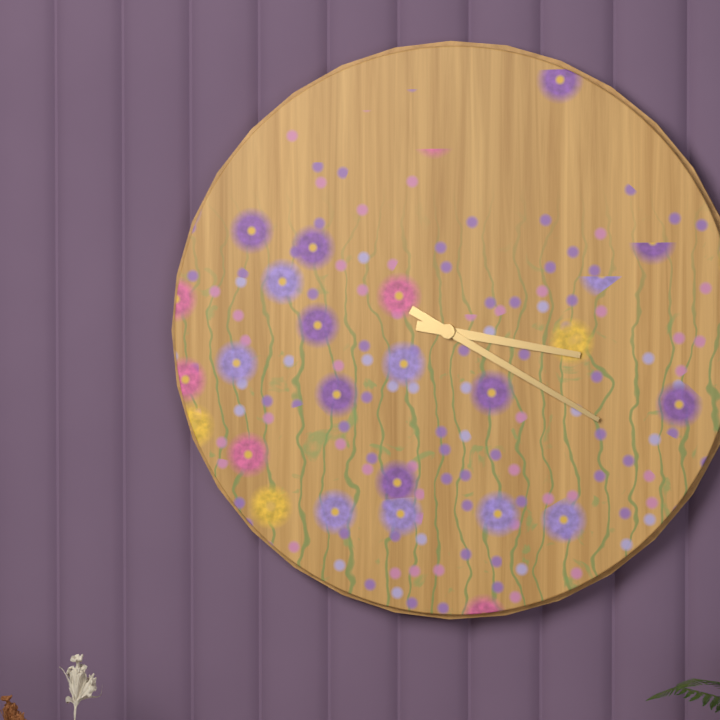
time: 3:20
